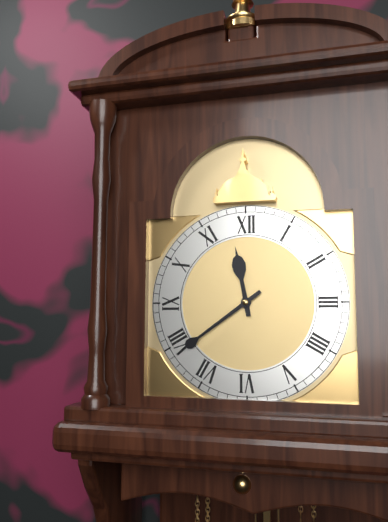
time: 11:39
